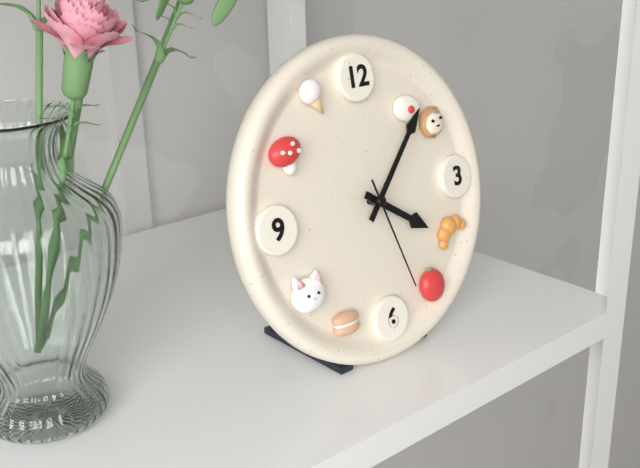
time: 4:07:27
